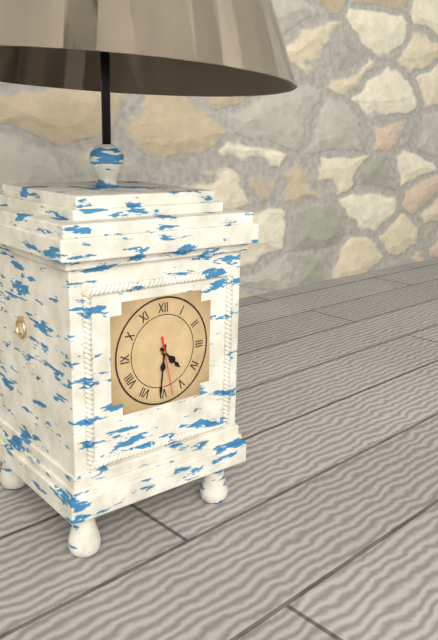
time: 4:31:28
